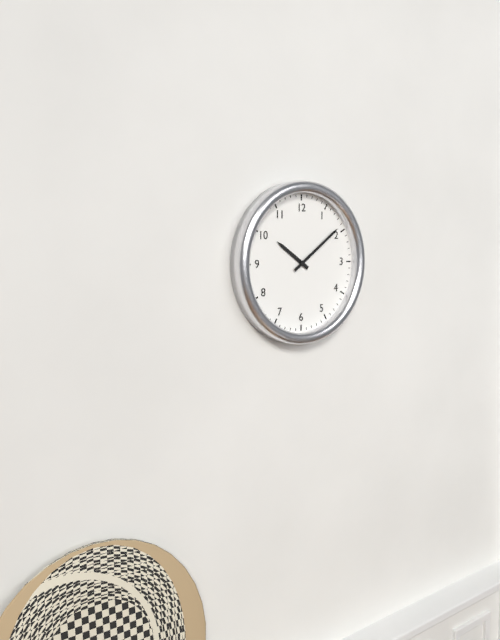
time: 10:09
